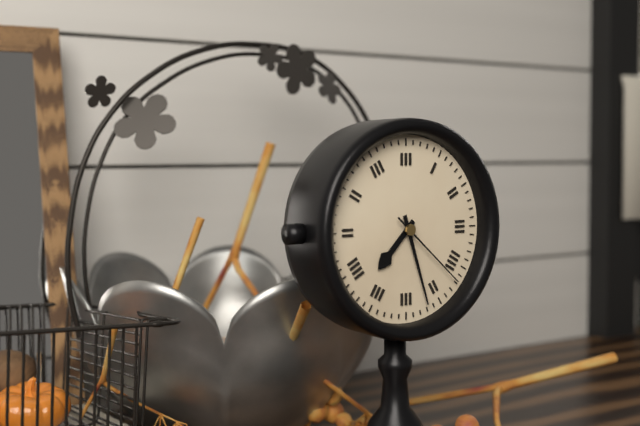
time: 7:27:22
